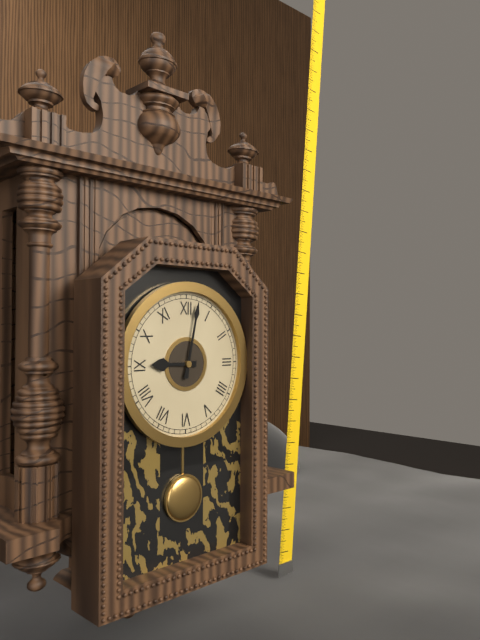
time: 9:02
